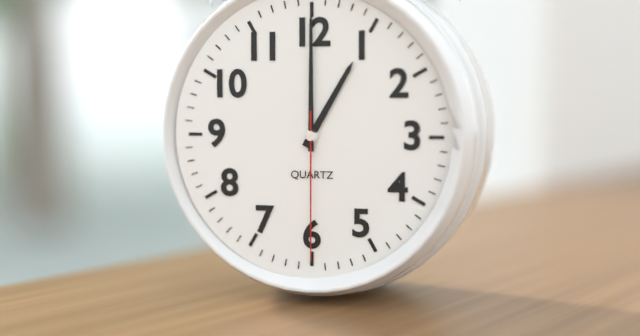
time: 1:00:30
